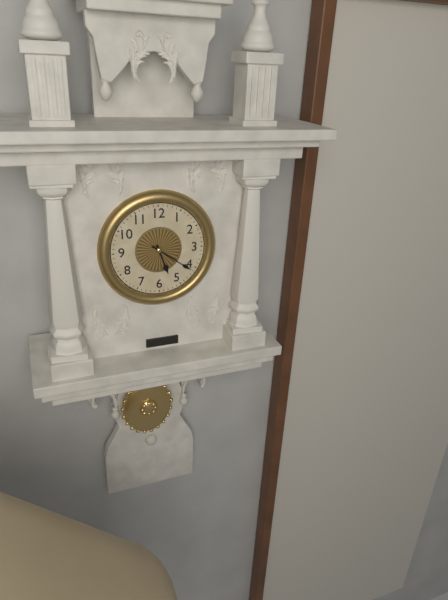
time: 5:21
